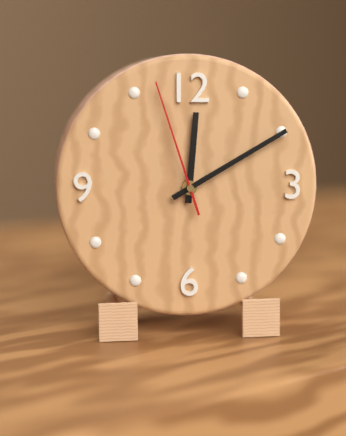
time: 12:10:57
